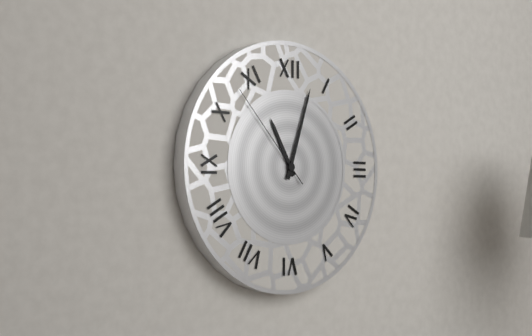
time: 11:03:53
